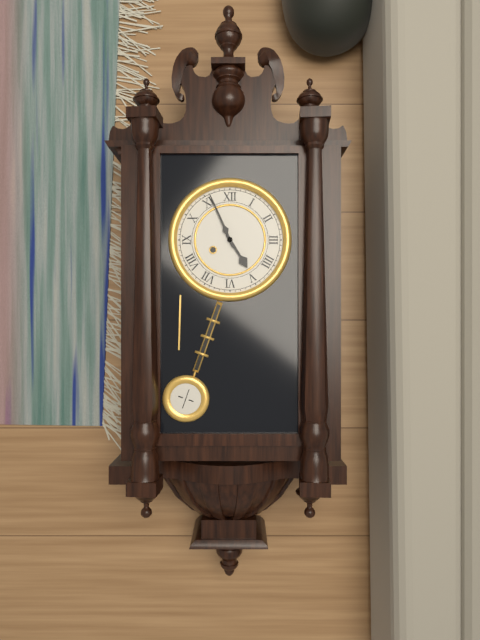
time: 4:56
